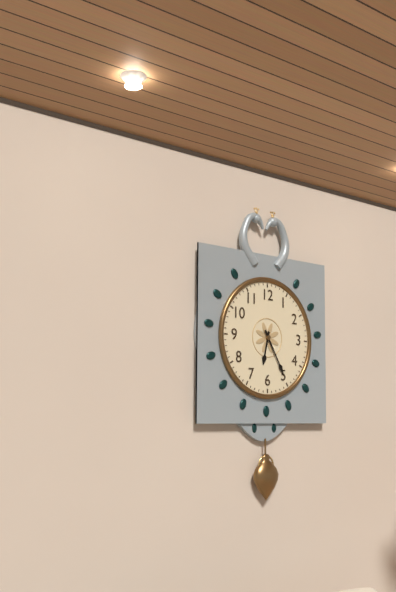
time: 6:25
